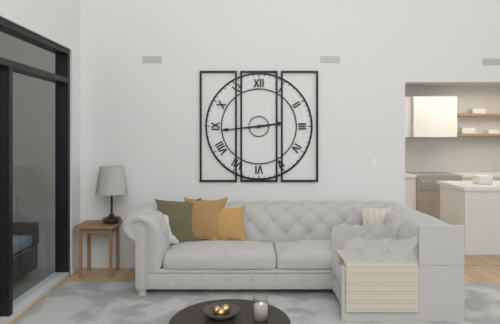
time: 2:44
